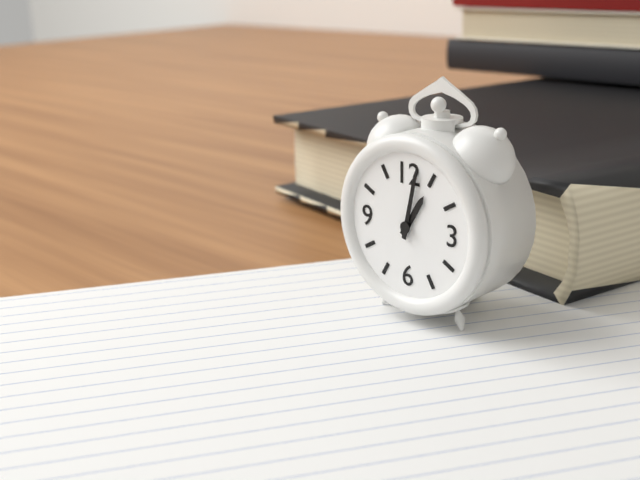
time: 1:02
